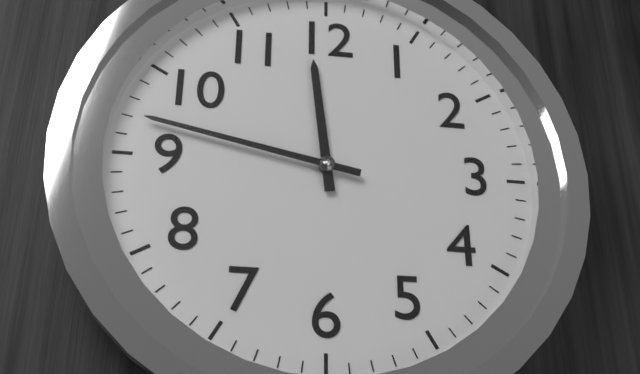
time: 11:47
